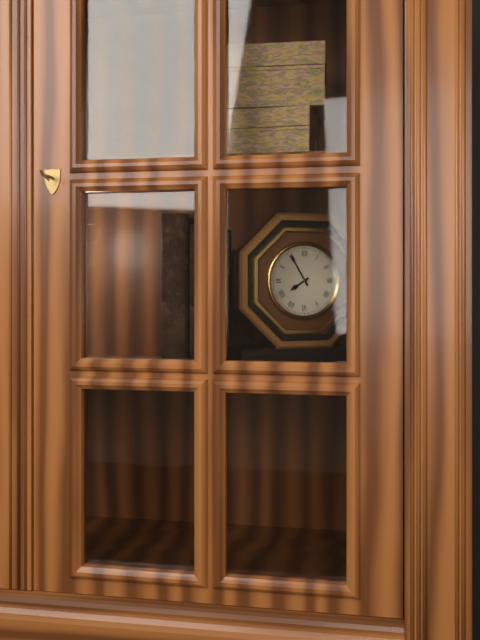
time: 7:55
